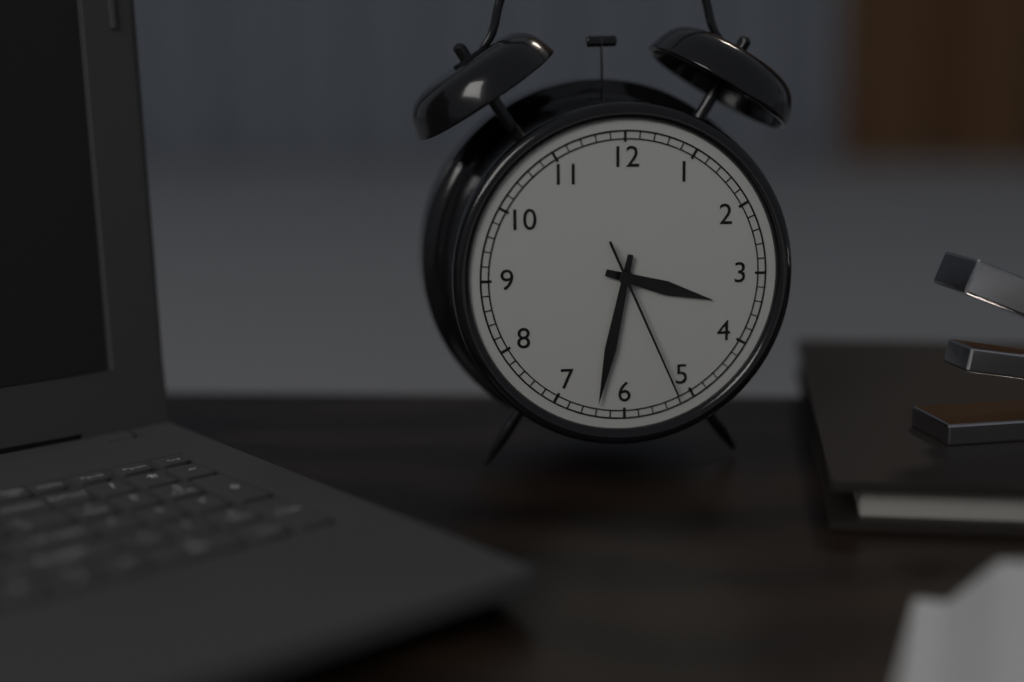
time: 3:32:26
